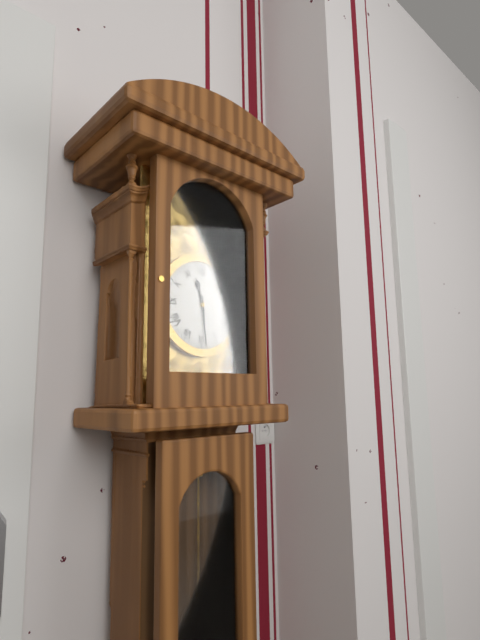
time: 11:29
